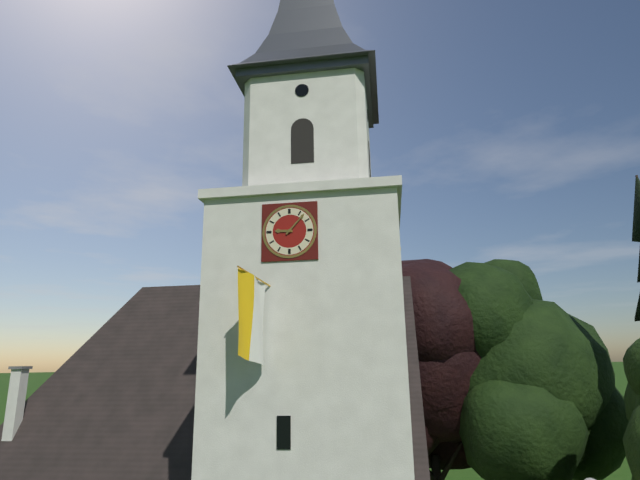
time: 9:07
